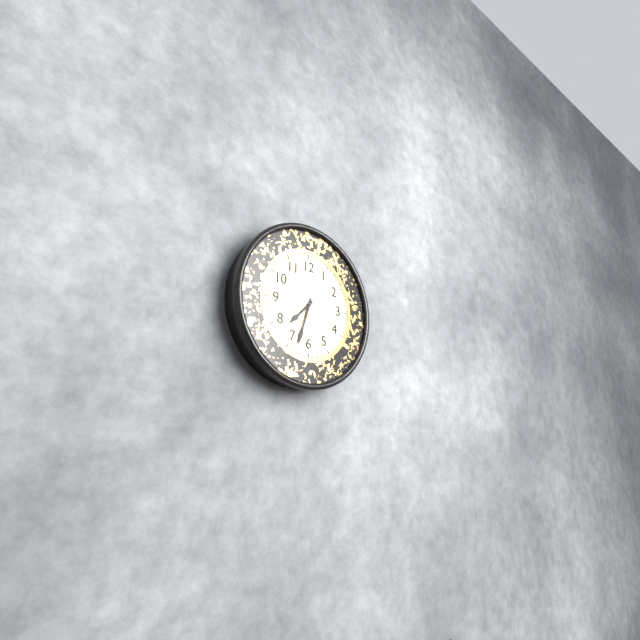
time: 7:33
